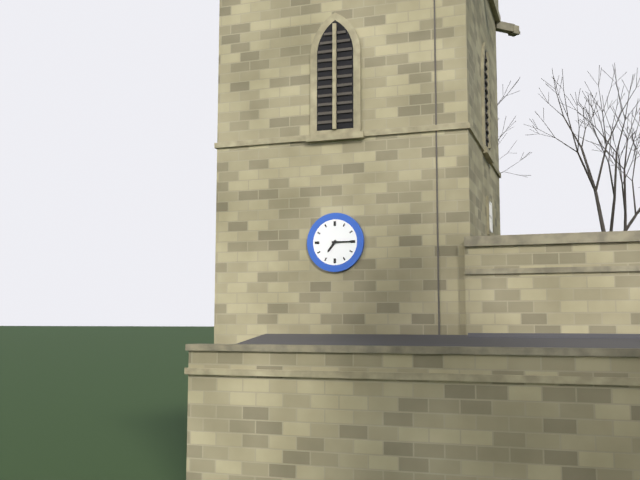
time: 7:15
